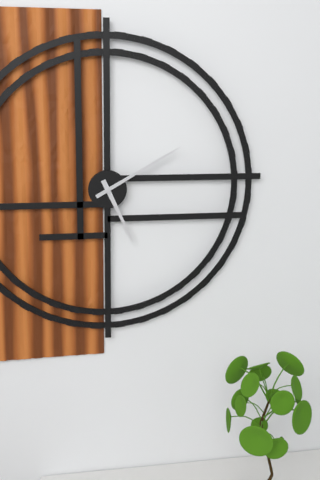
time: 5:10
